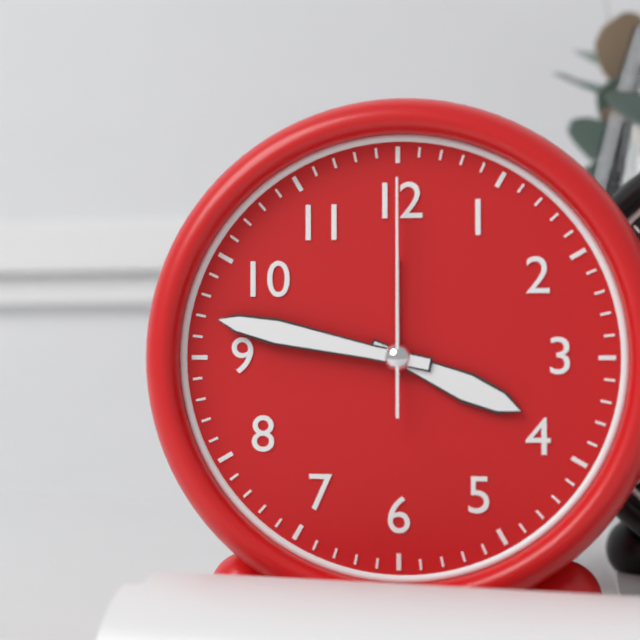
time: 3:47:00
